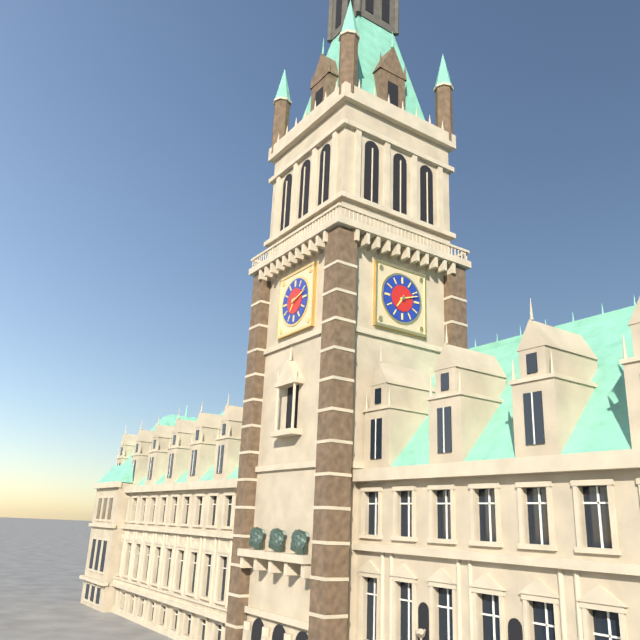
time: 7:12
